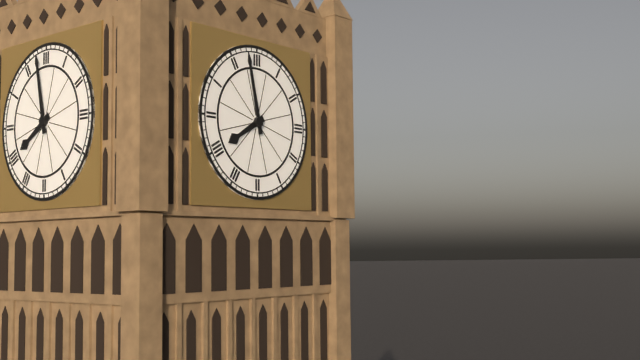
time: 7:58
